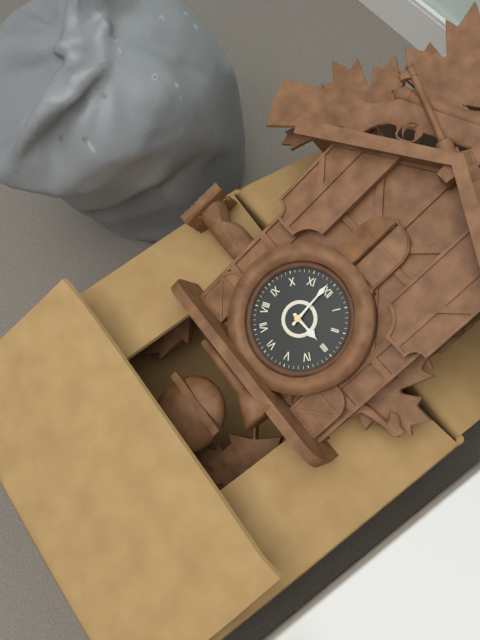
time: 2:59
